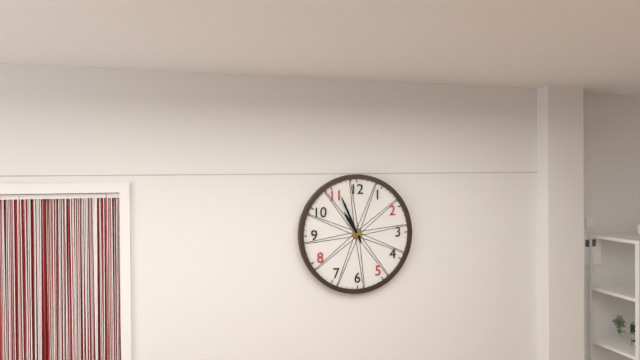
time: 10:56
